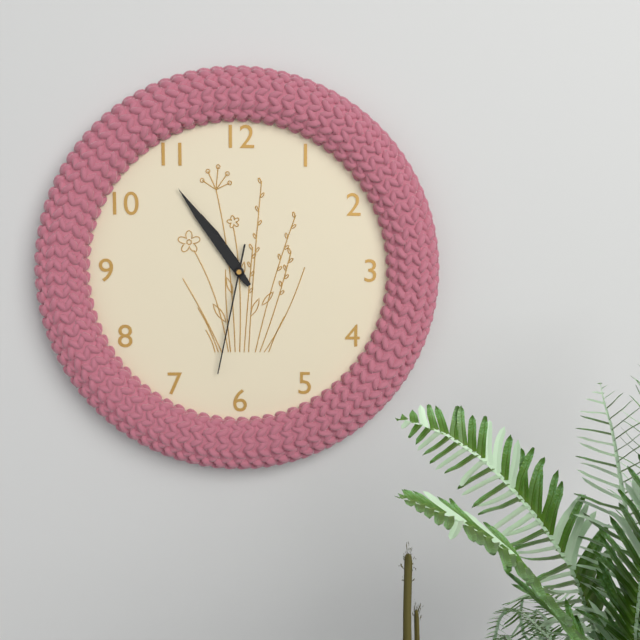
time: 10:54:32
